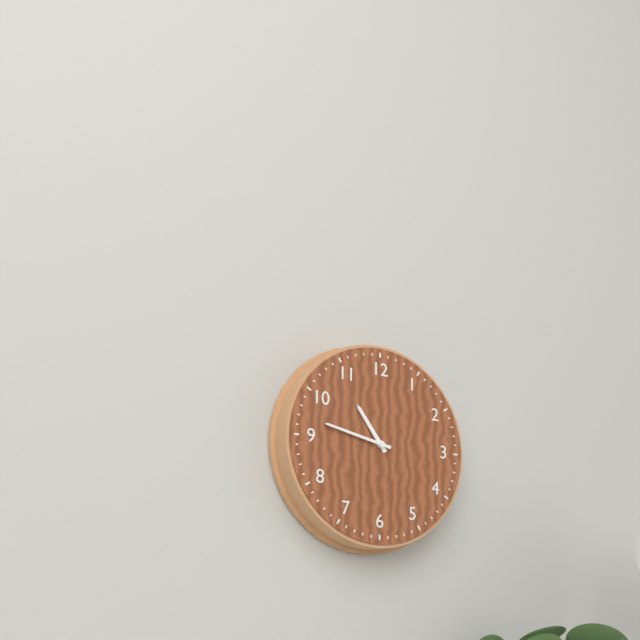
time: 10:47
